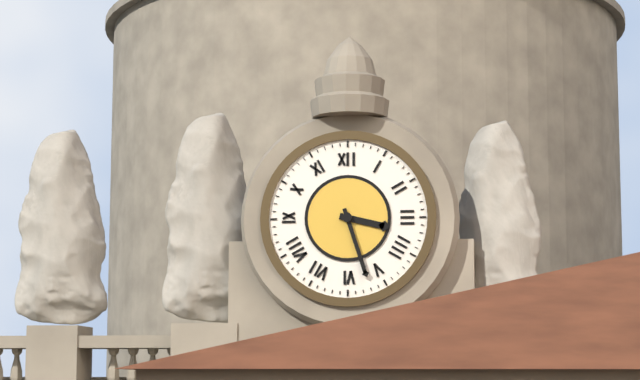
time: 3:27
